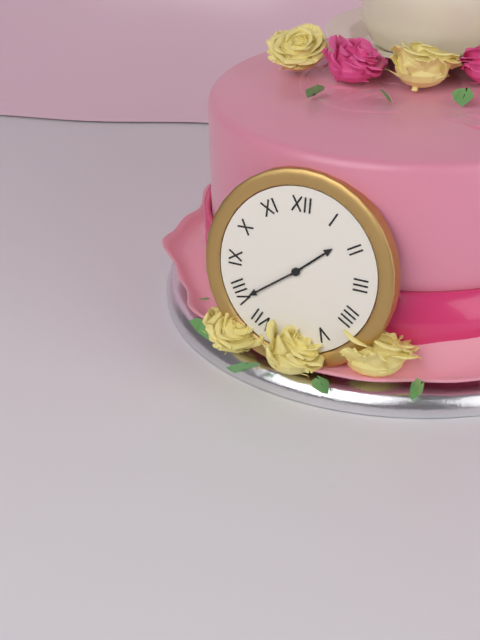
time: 1:39
